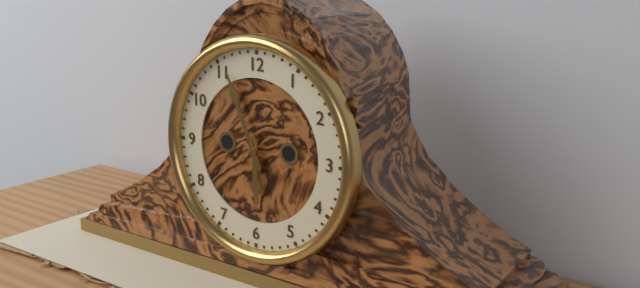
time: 5:56
